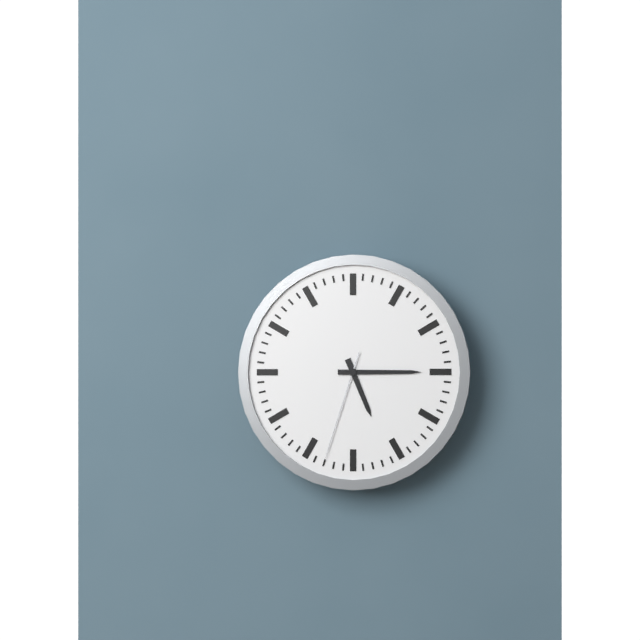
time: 5:15:33
